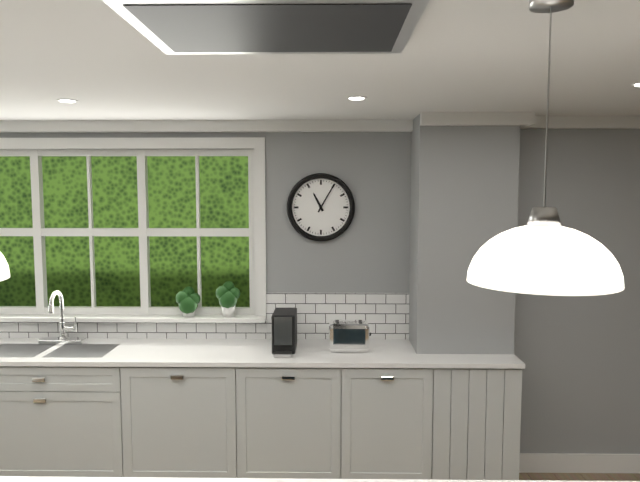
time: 11:05
